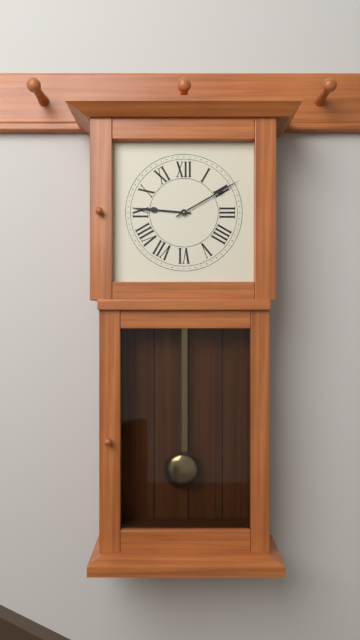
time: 9:10
